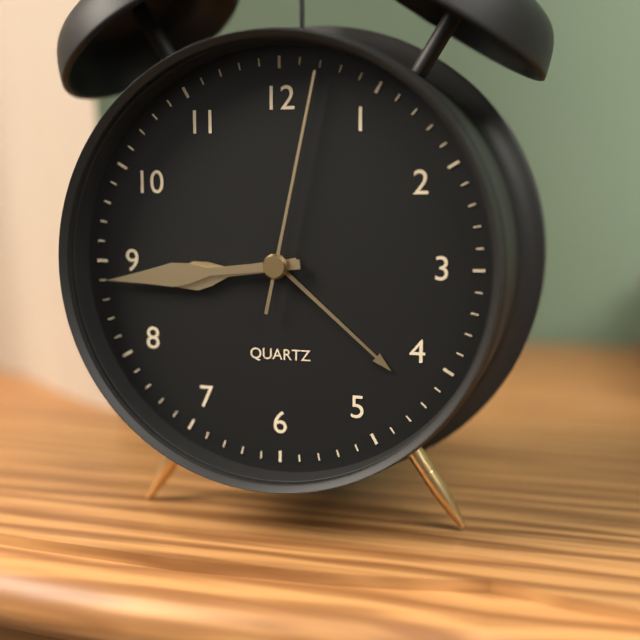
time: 8:44:02
